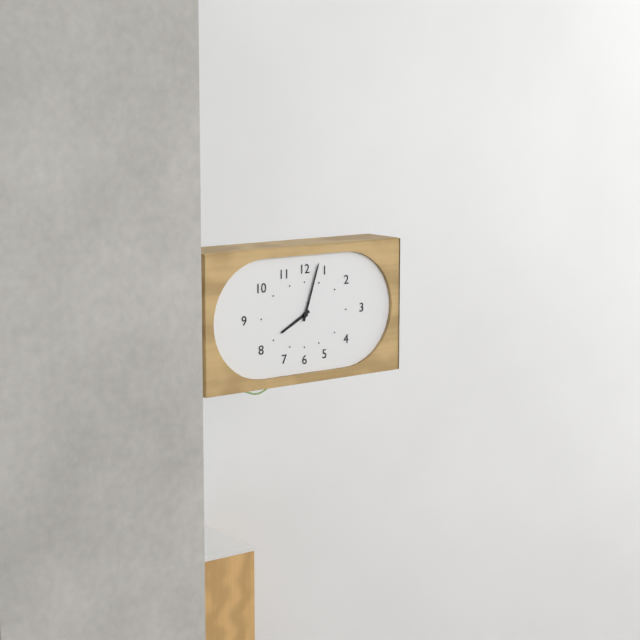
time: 8:03
